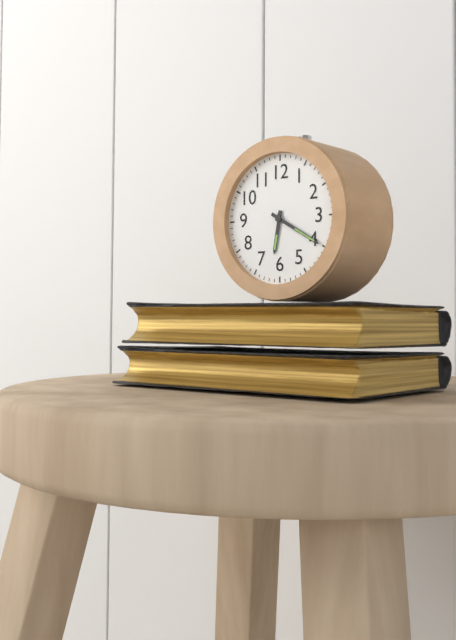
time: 6:20
